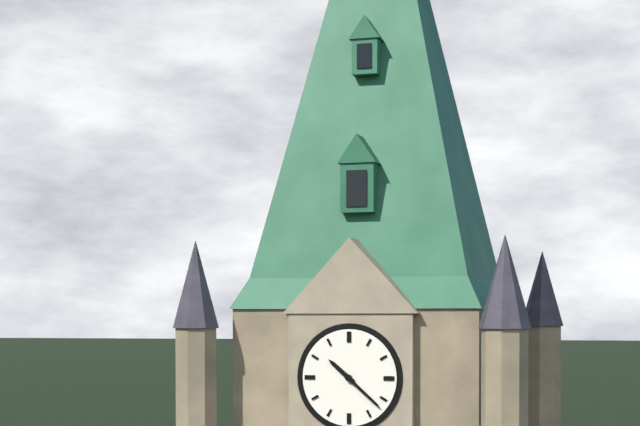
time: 10:22
